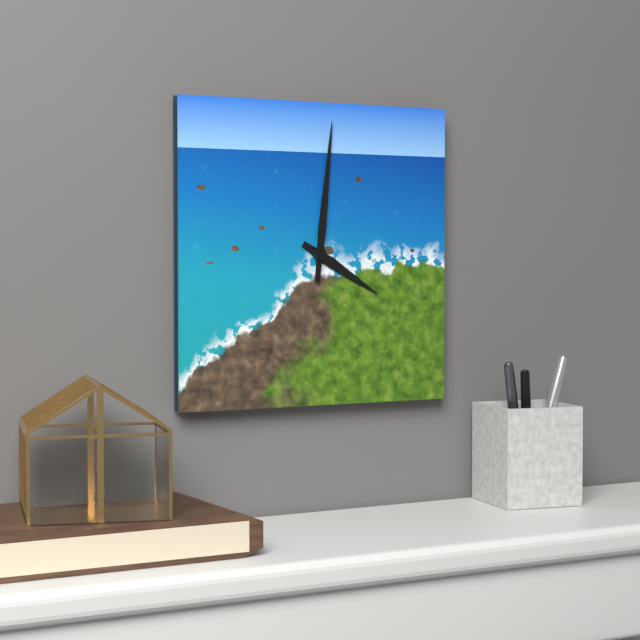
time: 4:01
